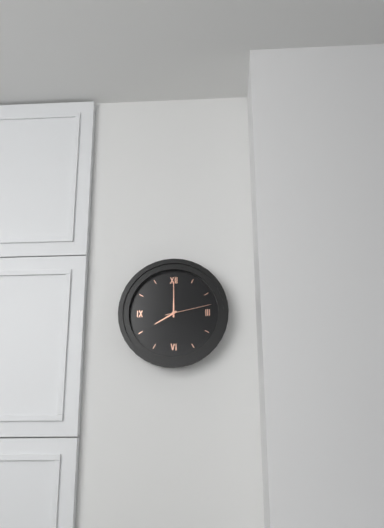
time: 8:00
